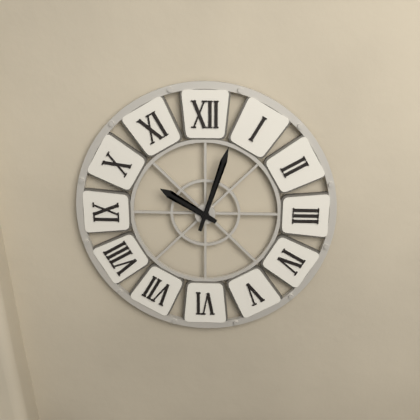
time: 10:03
